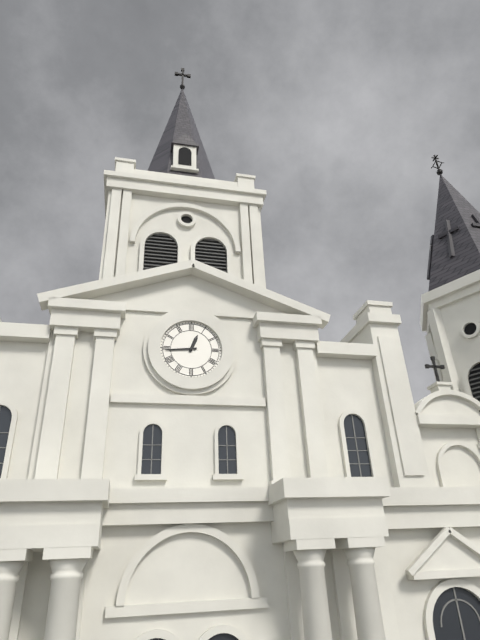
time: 12:44
